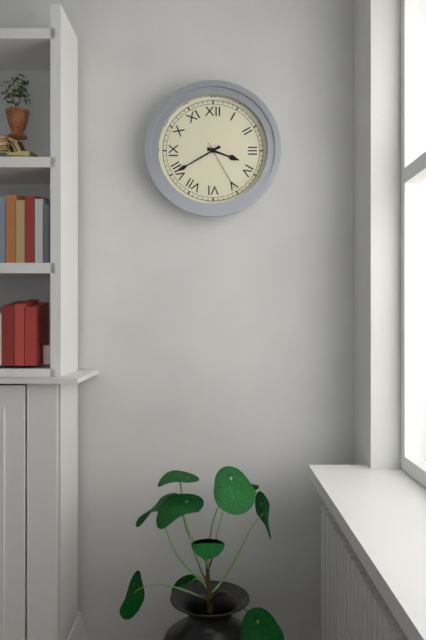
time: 3:40:25
